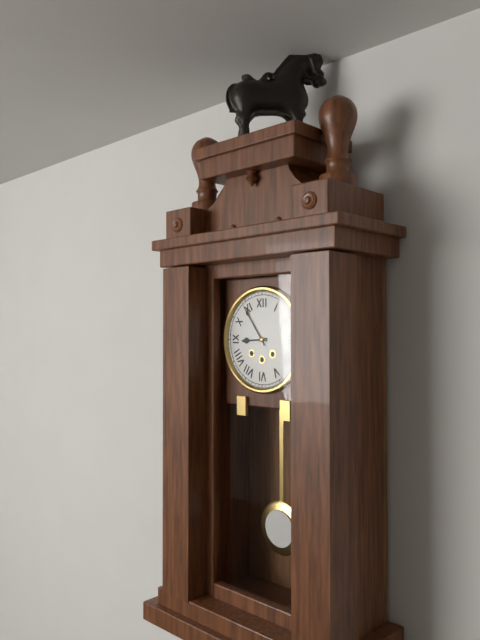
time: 8:54
